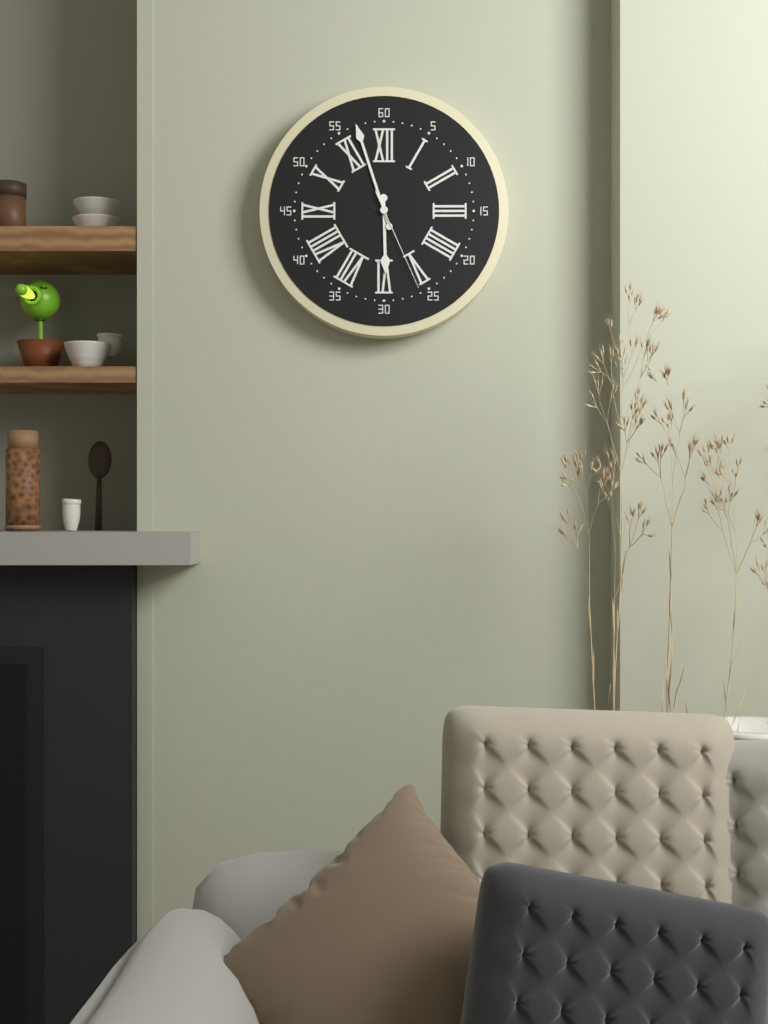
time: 5:57:26
